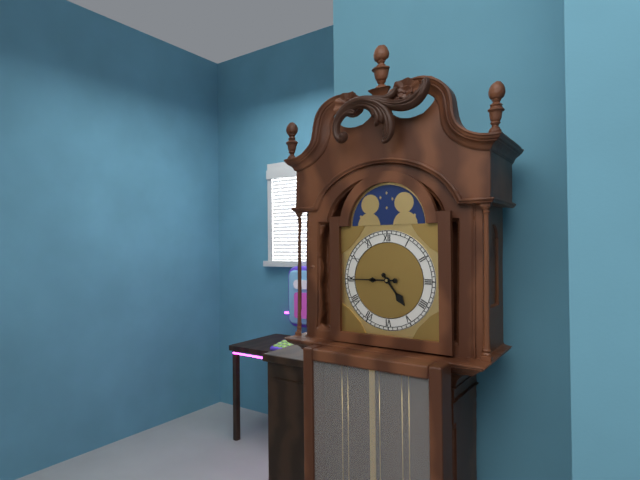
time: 4:45
